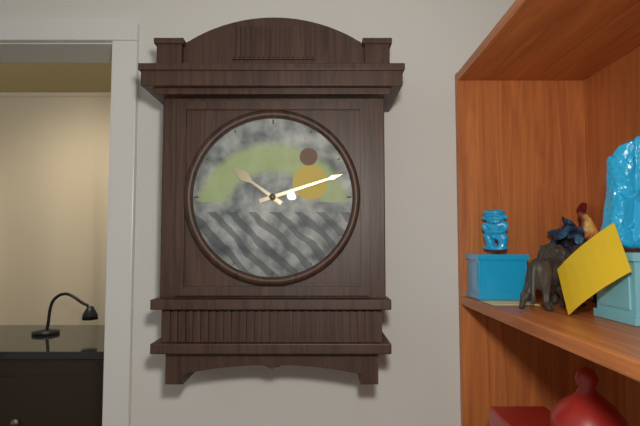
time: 10:12
